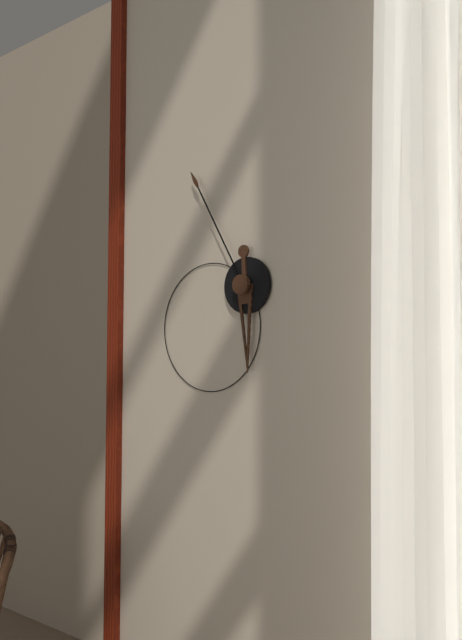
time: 5:55
